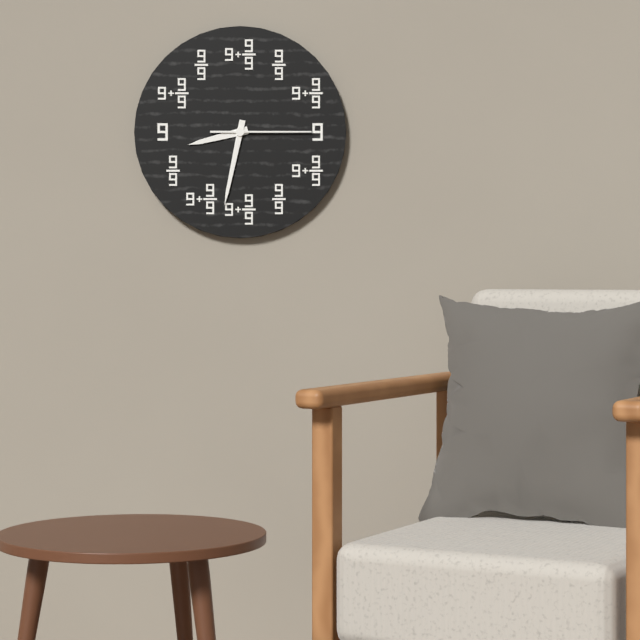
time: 8:32:15
